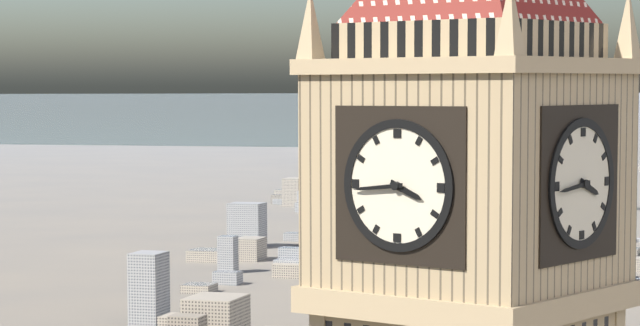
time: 3:44
